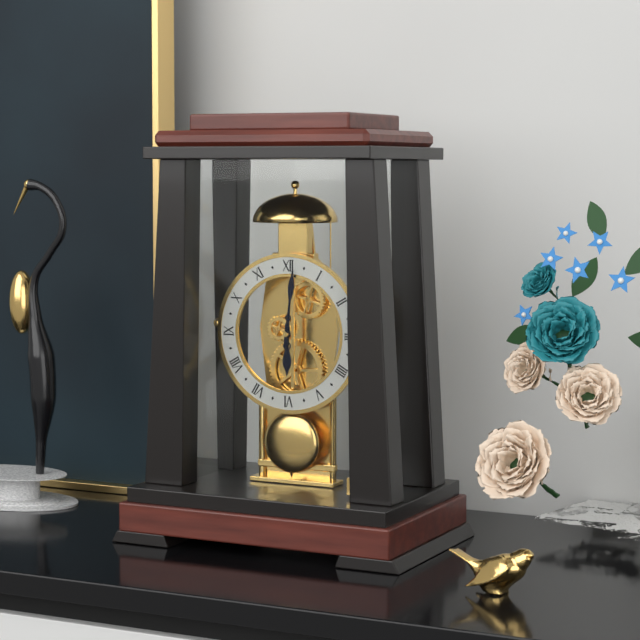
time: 6:01
